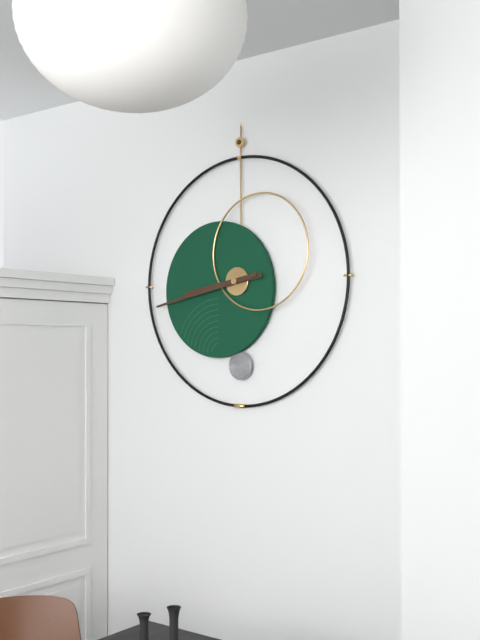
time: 8:43
